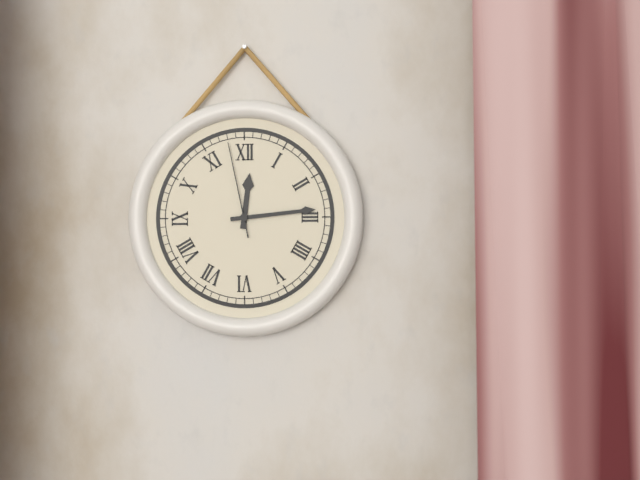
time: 12:14:58
